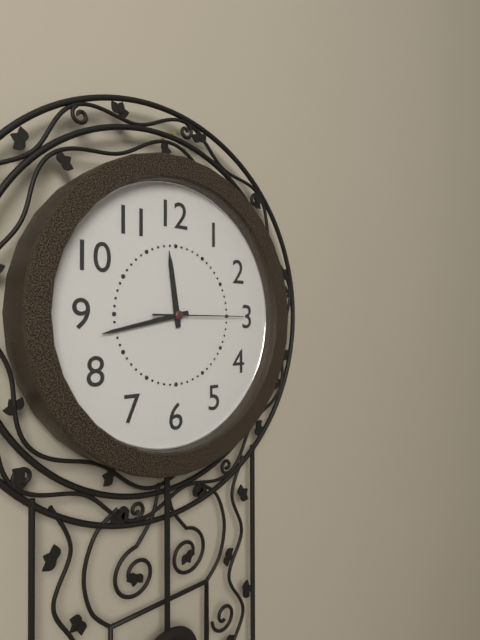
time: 11:43:15
